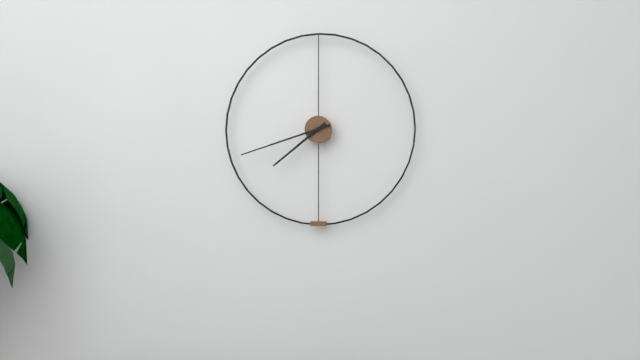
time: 7:42
